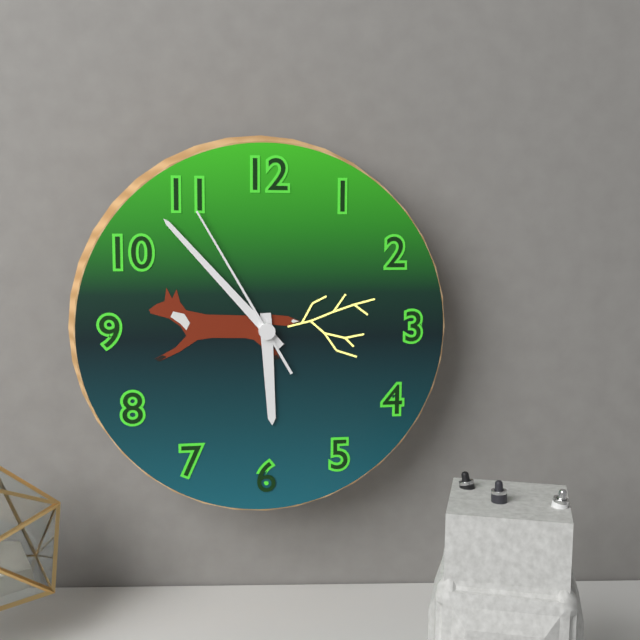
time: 5:53:55
